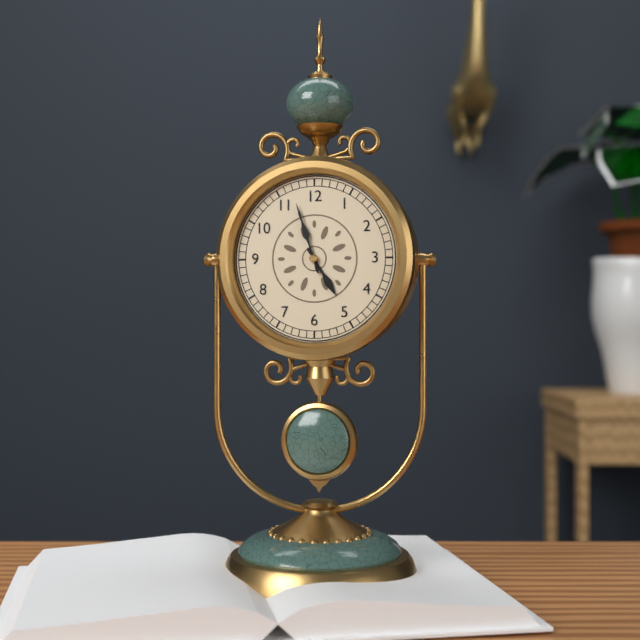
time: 4:57
